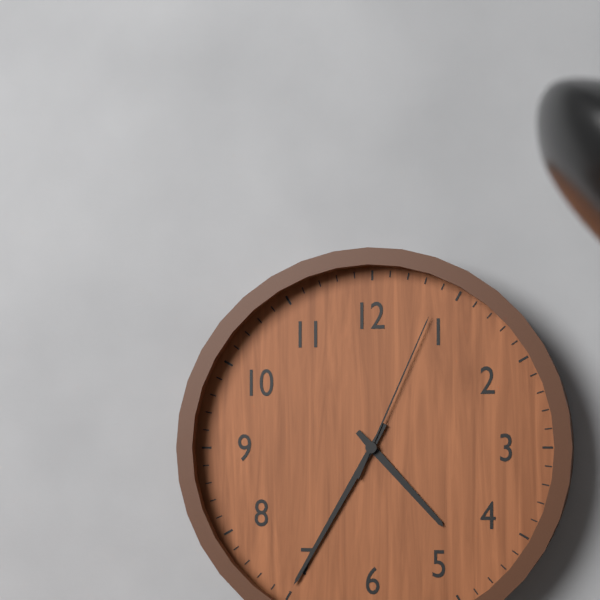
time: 4:35:04
